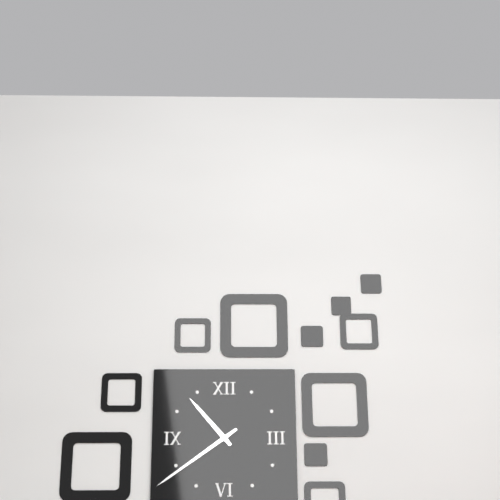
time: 10:39
